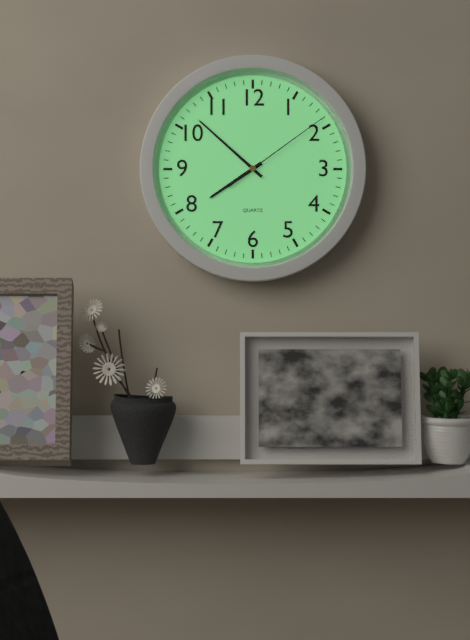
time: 7:52:09
